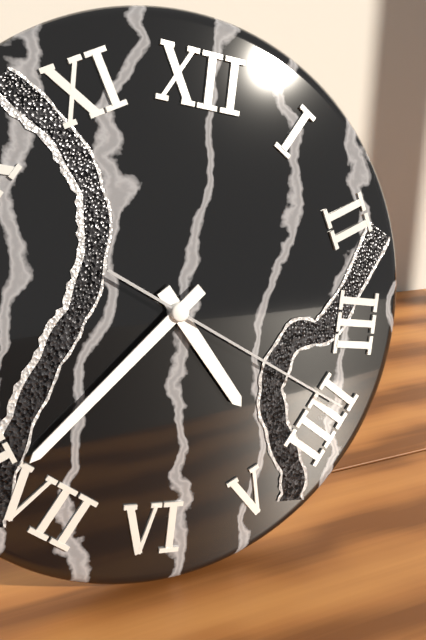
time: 4:37:19
